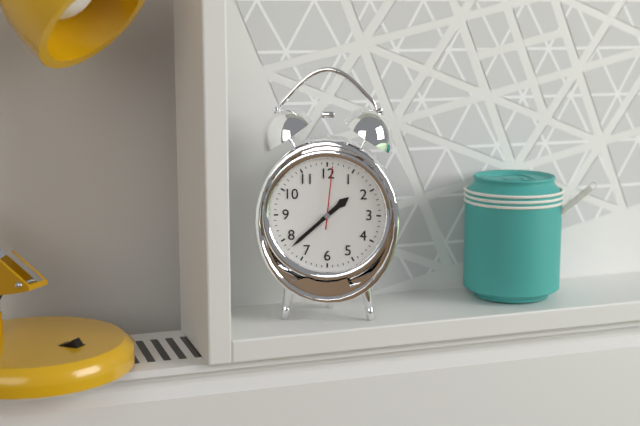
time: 1:38:01
